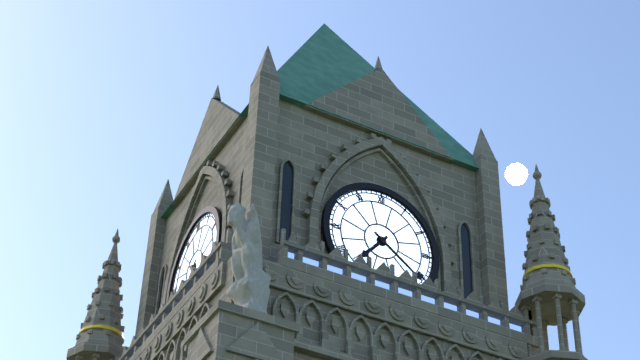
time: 7:21
